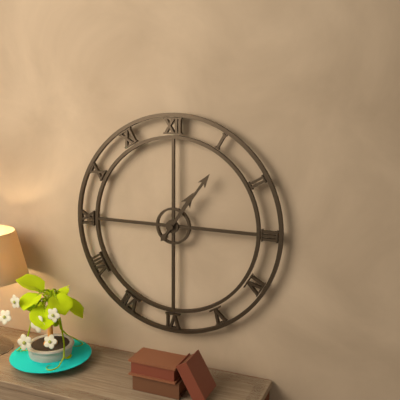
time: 1:06
